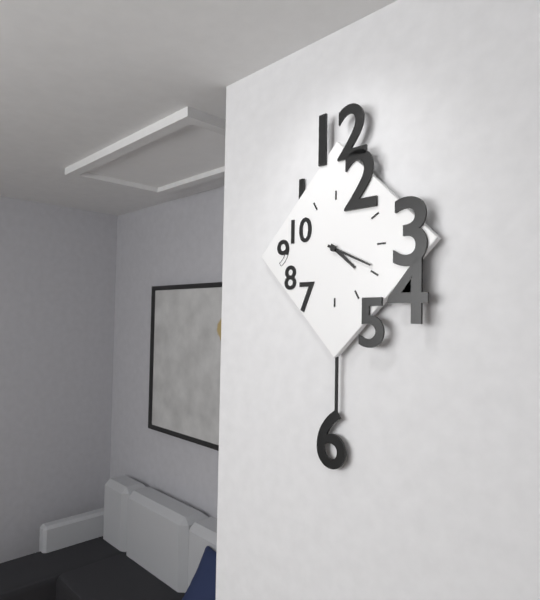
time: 4:19
